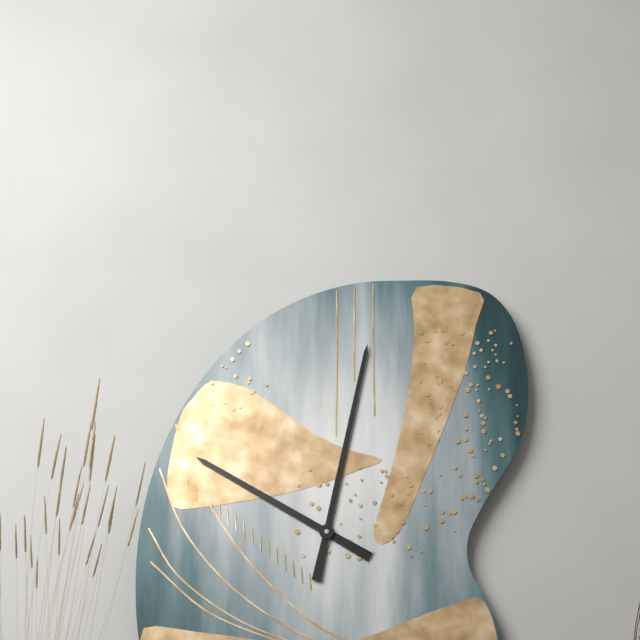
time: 10:02
